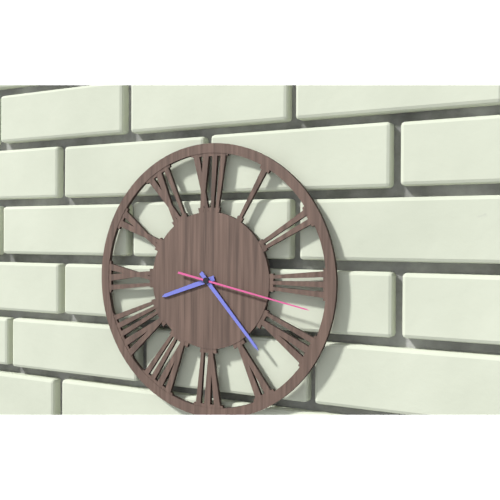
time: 8:23:17
